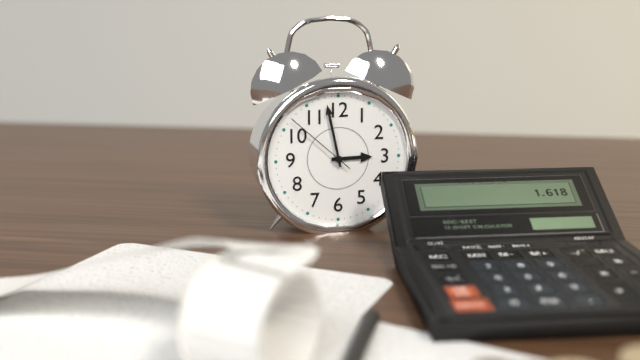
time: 2:58:52
